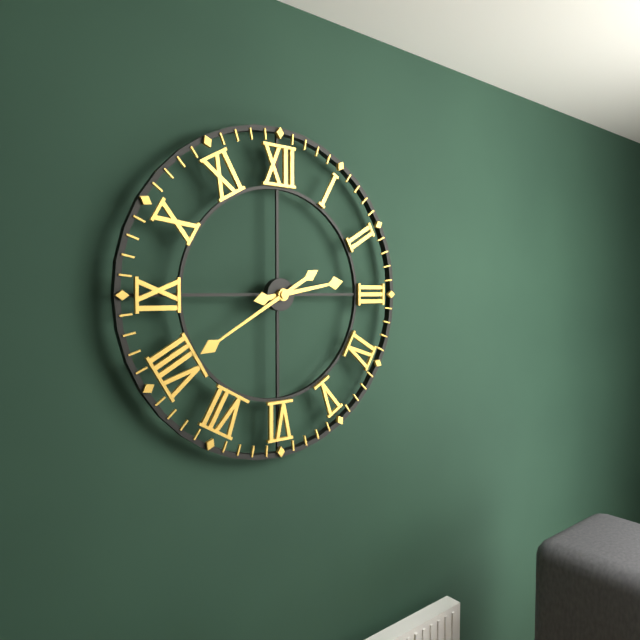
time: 2:40
